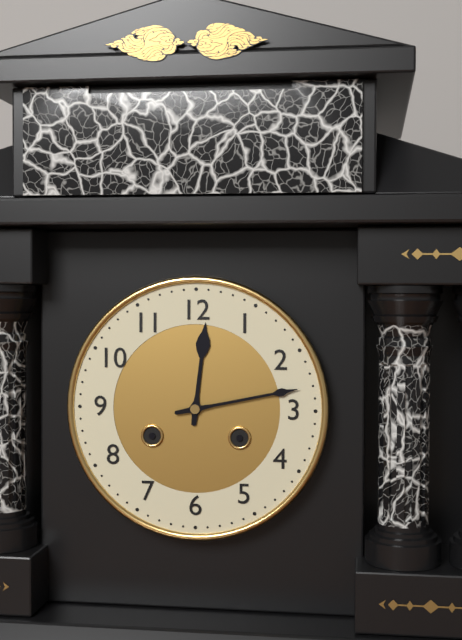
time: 12:13
